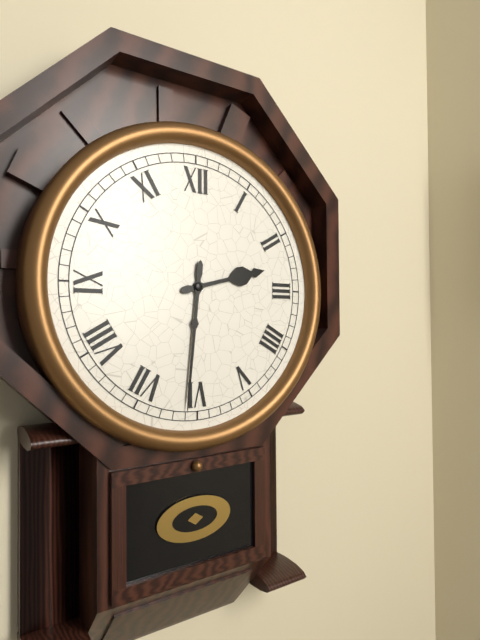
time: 2:31
